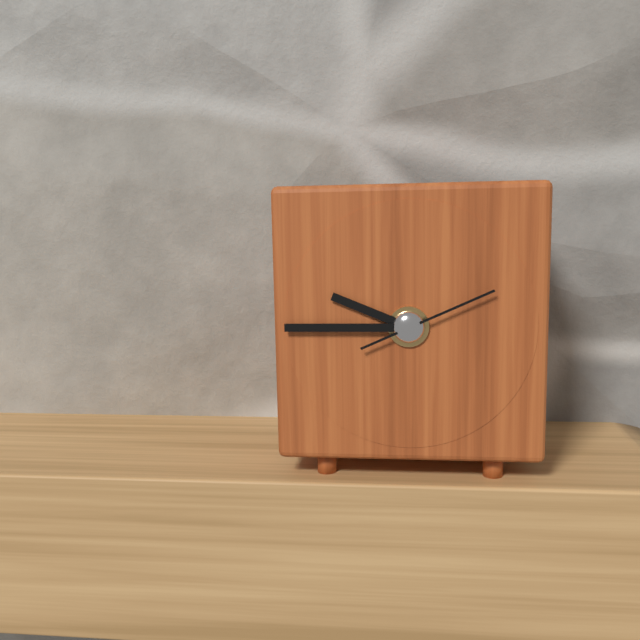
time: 9:45:11
